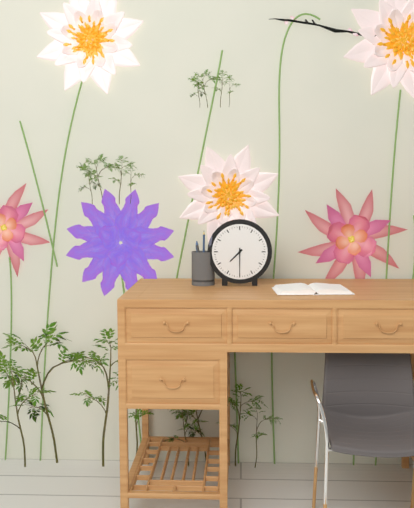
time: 7:30
